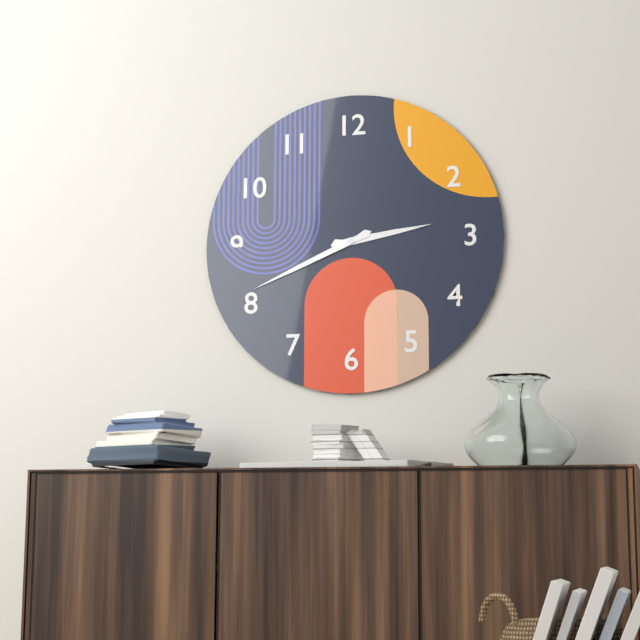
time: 2:41
